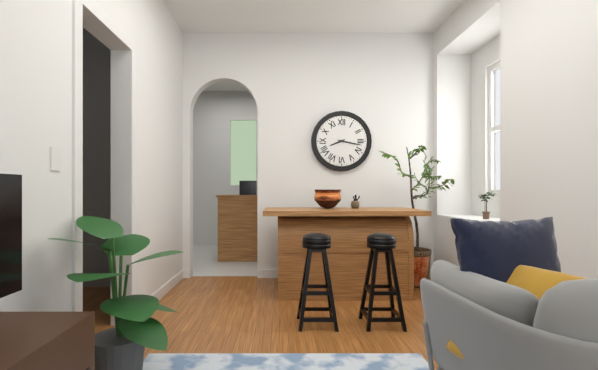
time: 8:17
